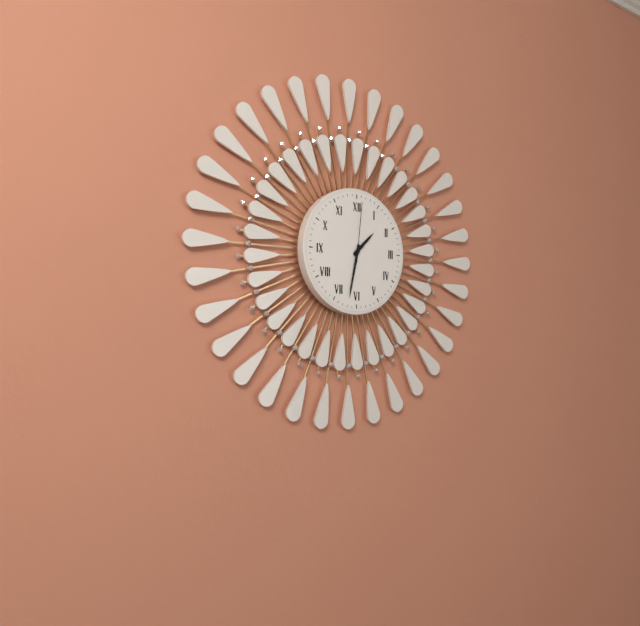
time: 1:32:01
